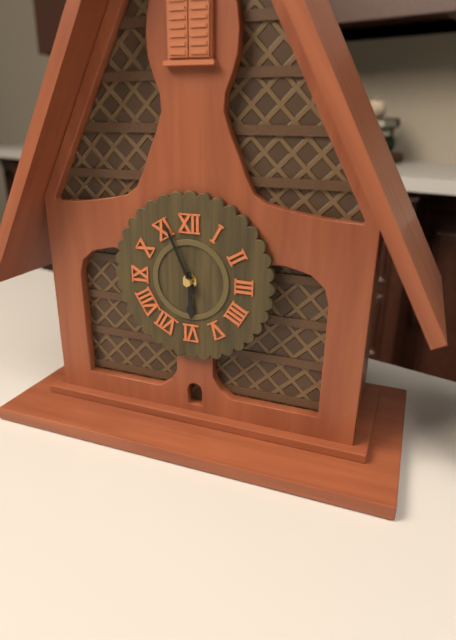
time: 5:56
